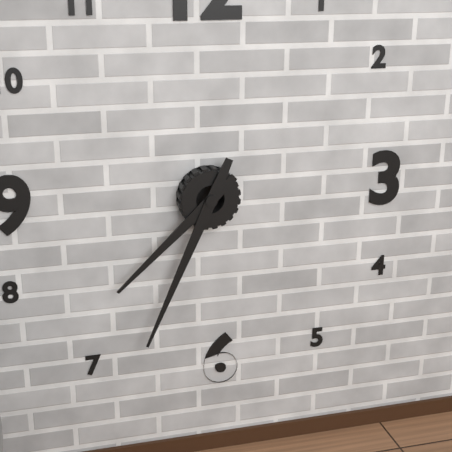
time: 7:34
